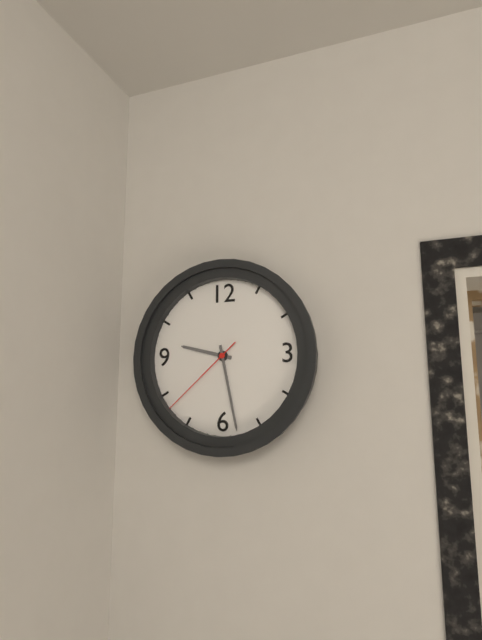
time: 9:28:38
